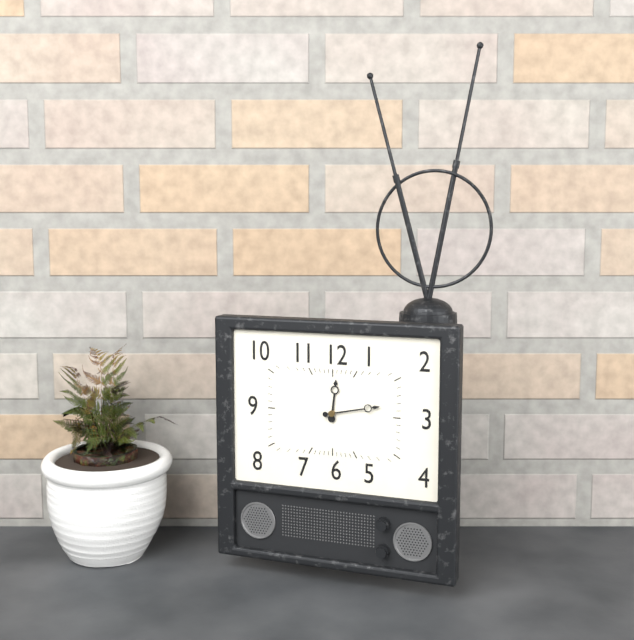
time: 12:13
